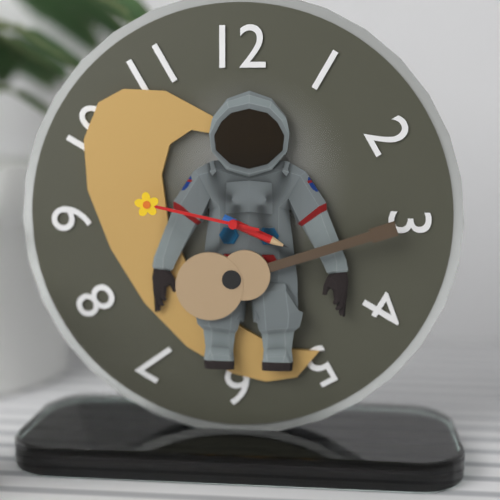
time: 3:47
